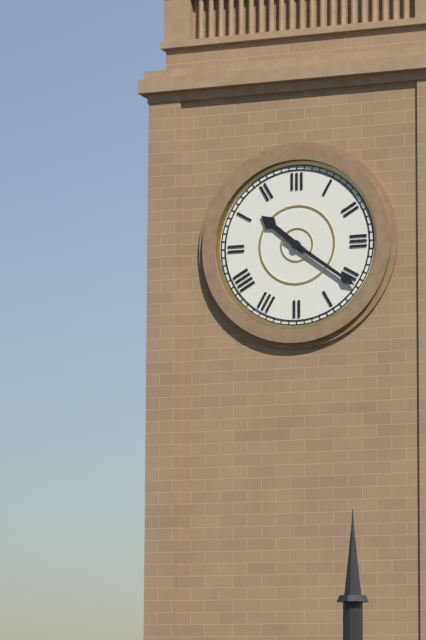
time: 10:21
